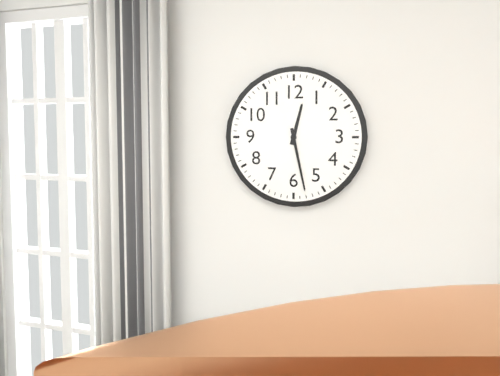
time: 12:28
